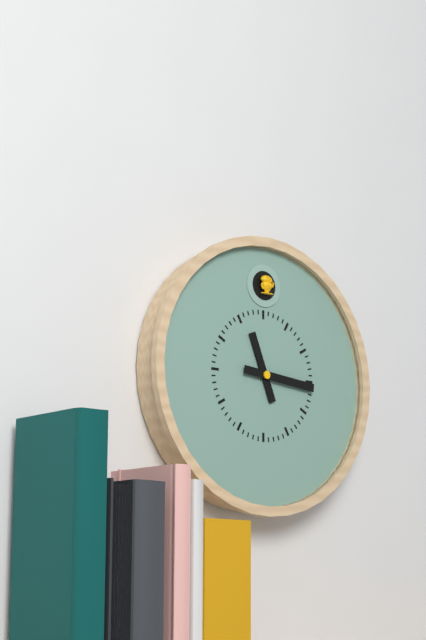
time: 11:16
